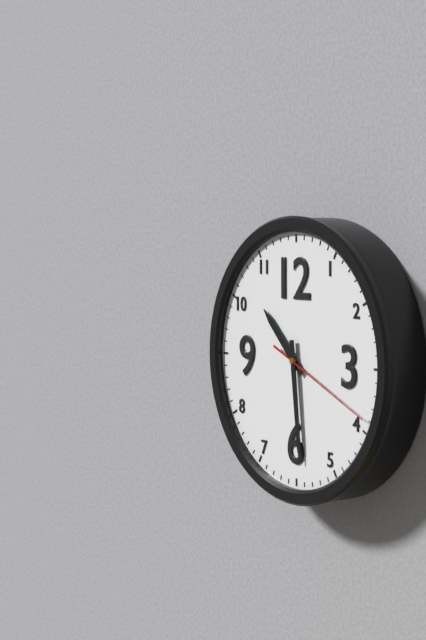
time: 10:29:19
